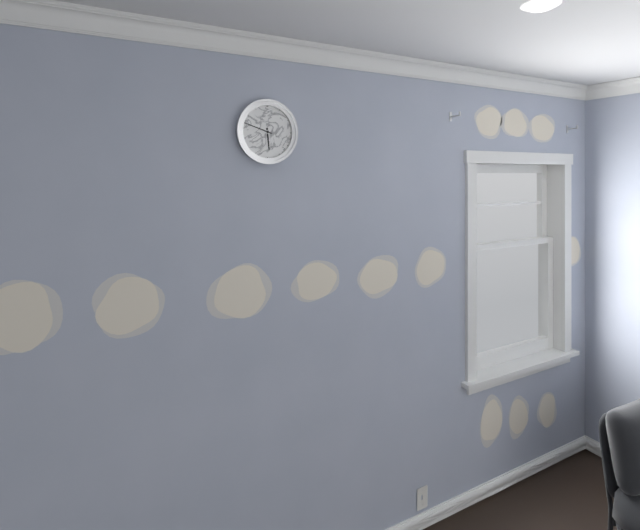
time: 5:48
